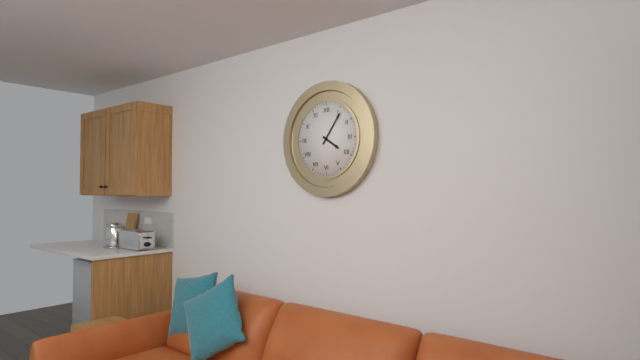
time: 4:06
